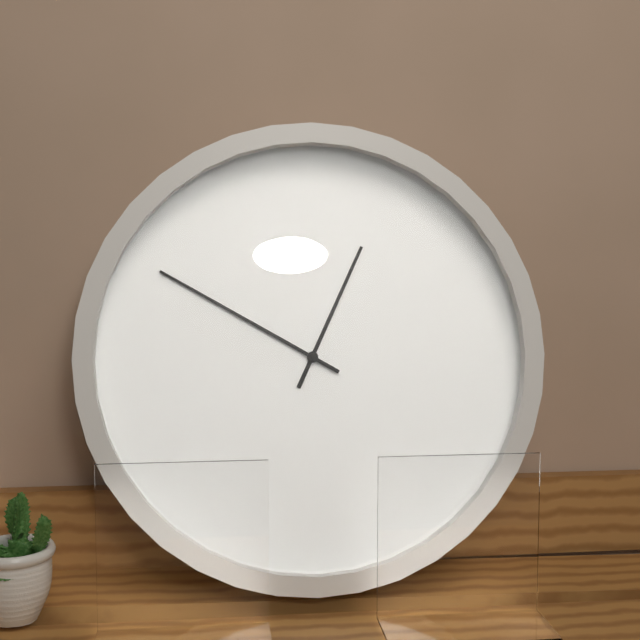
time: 12:50
